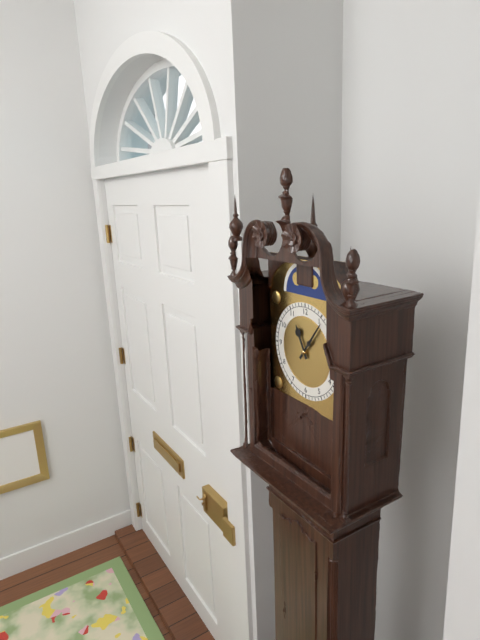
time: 11:06
